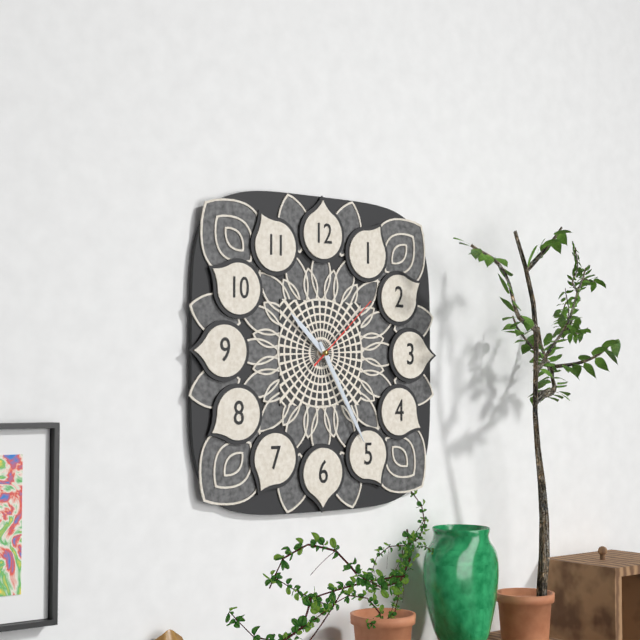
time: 10:25:08
